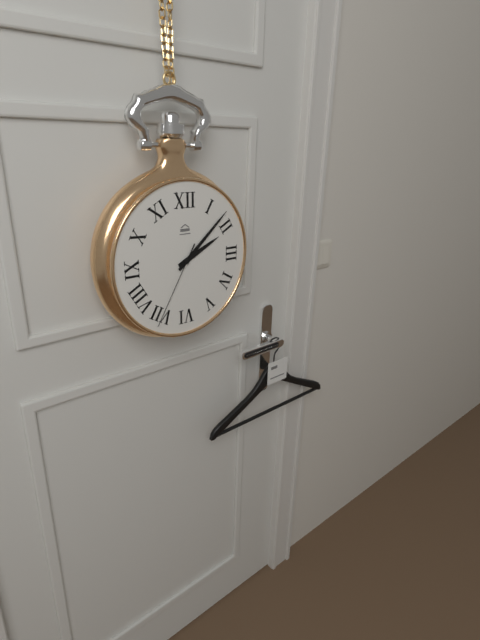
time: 2:08:35
